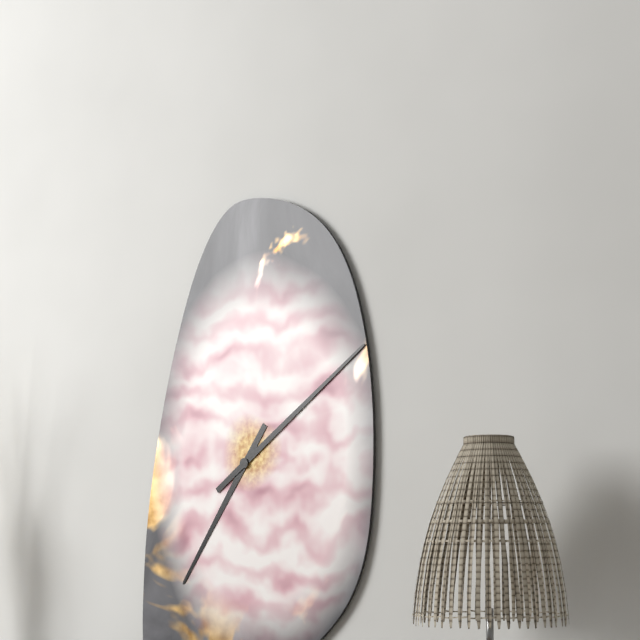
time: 7:09
